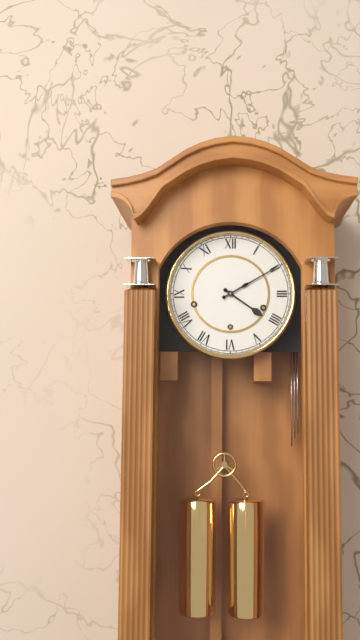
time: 4:10
